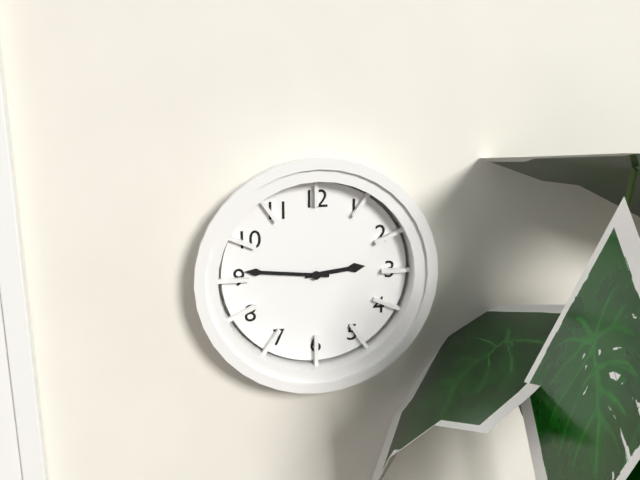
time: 2:46
